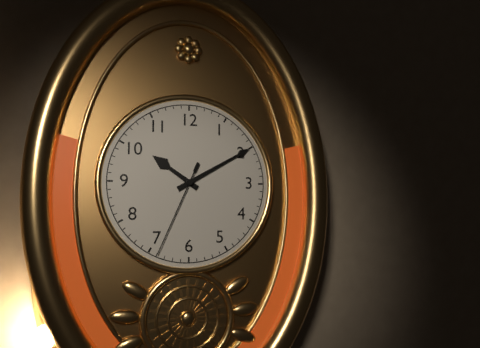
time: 10:10:34
